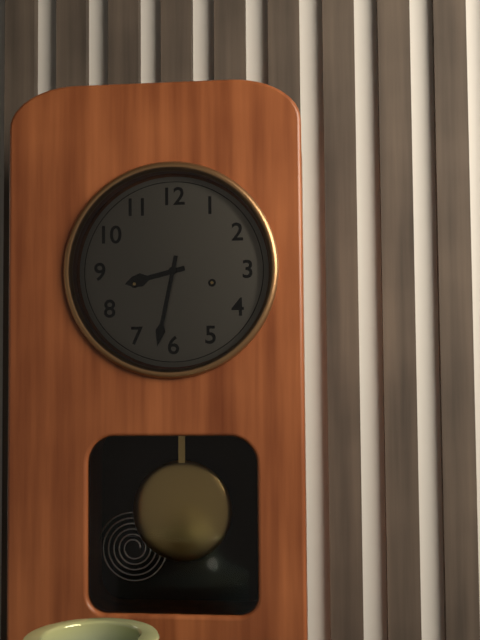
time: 8:32
